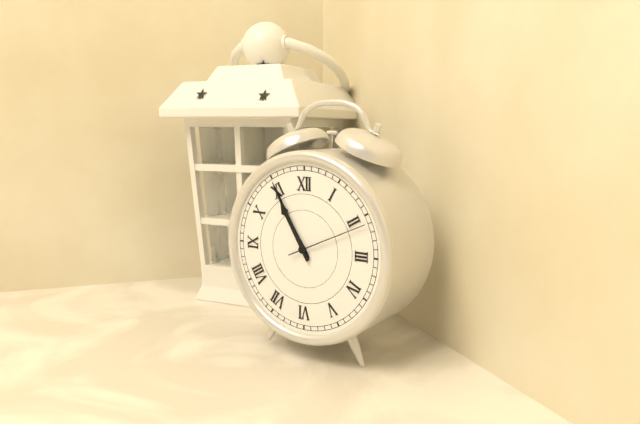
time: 10:55:11
